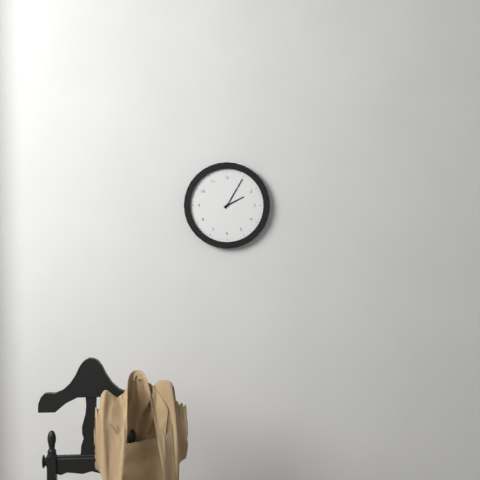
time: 2:05
